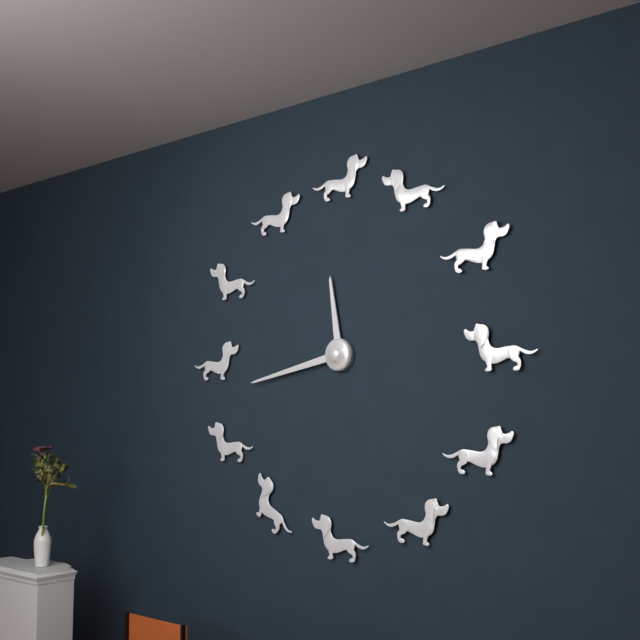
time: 11:43
